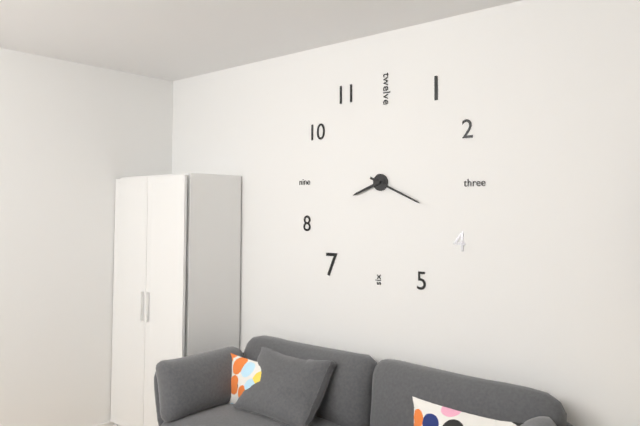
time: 8:19
